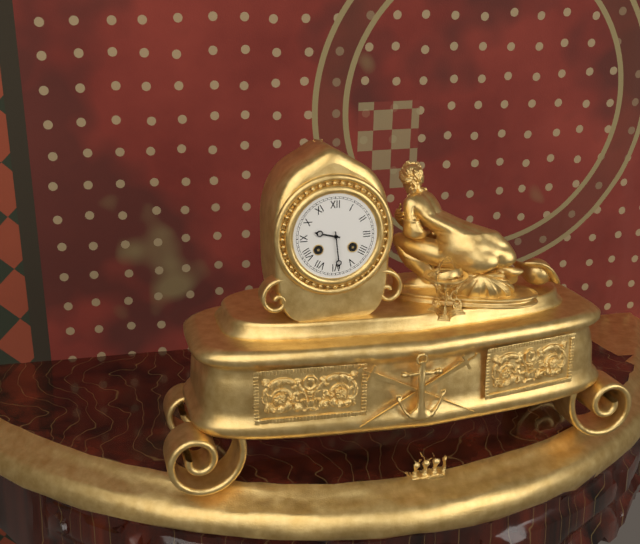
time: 9:29
